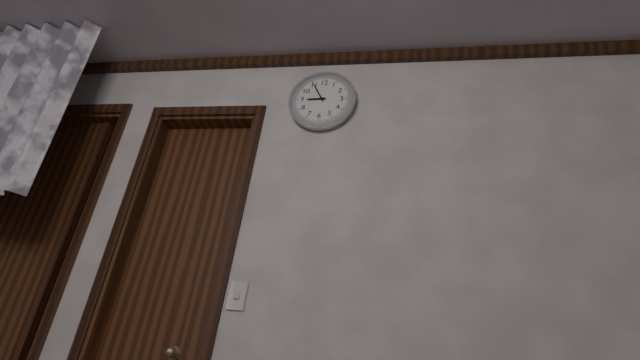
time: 8:55
